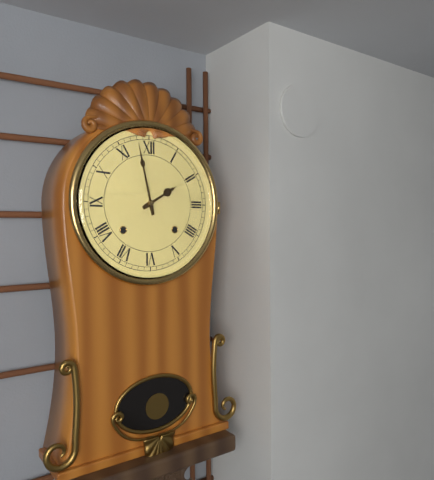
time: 1:58
